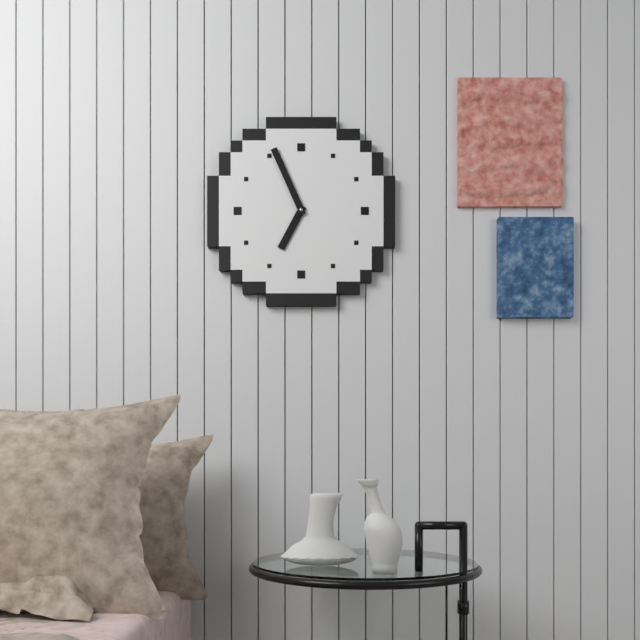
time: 6:56
